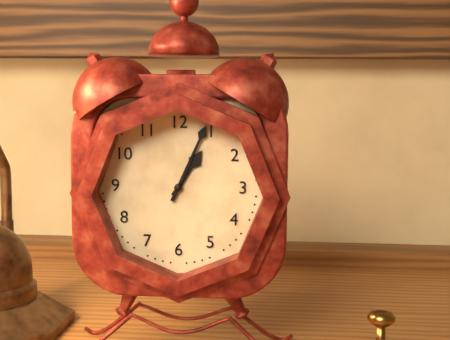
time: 1:04
